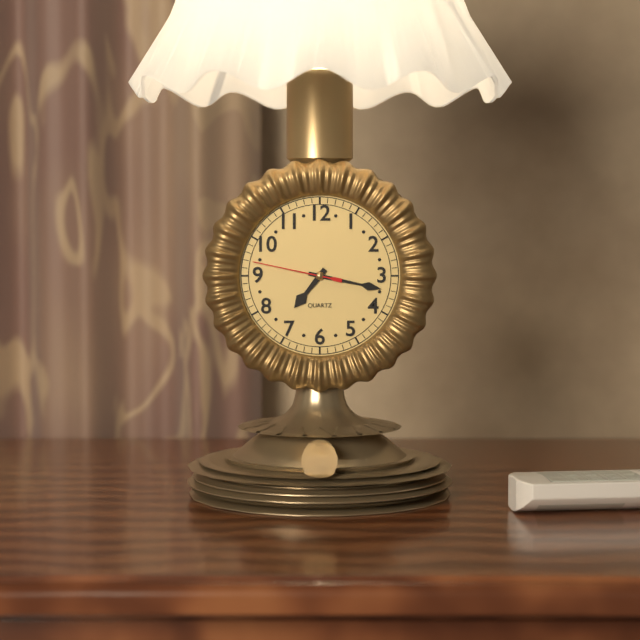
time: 7:17:47
